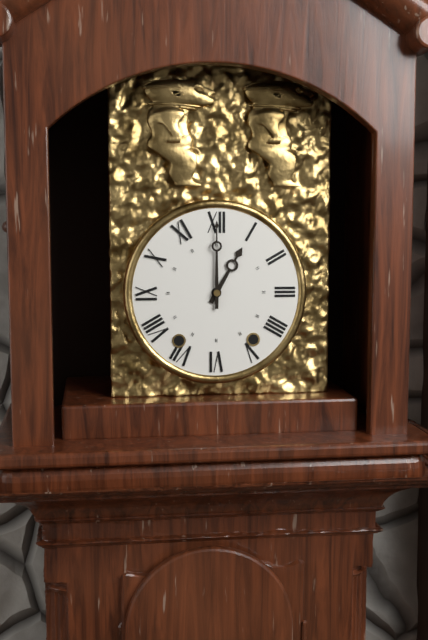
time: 1:00
